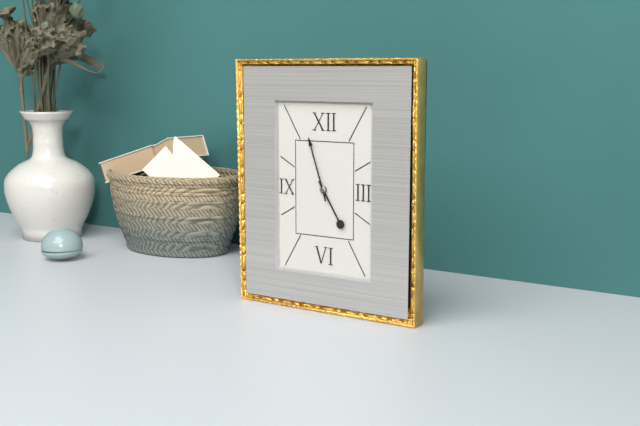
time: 4:57
